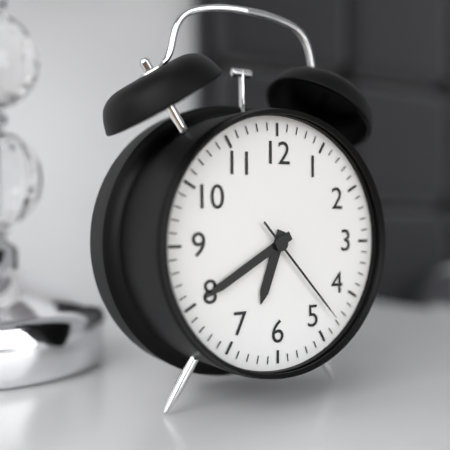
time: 6:40:23
